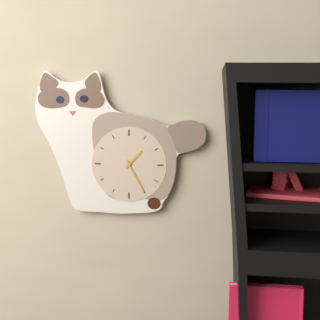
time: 1:25
